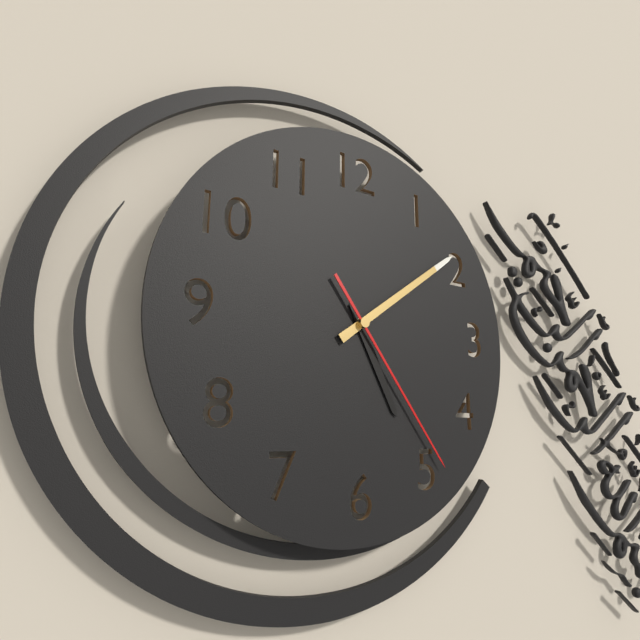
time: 5:09:24
